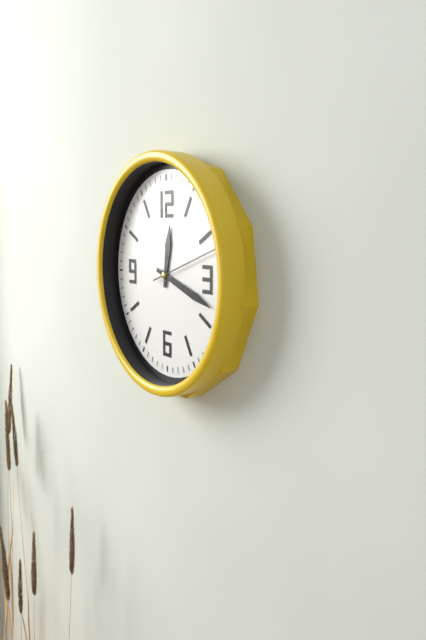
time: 12:18:12
